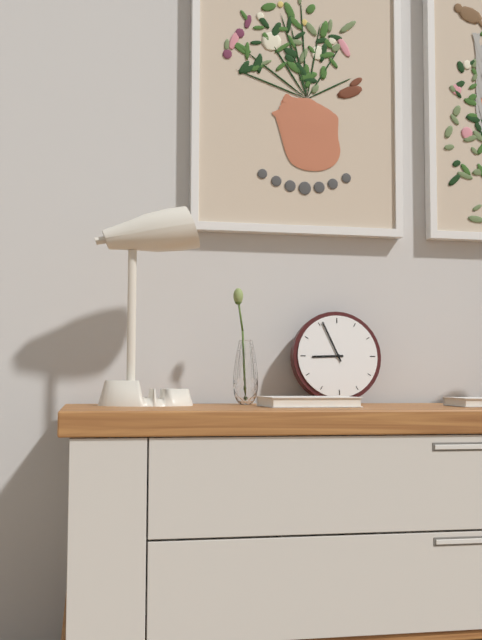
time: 8:56
